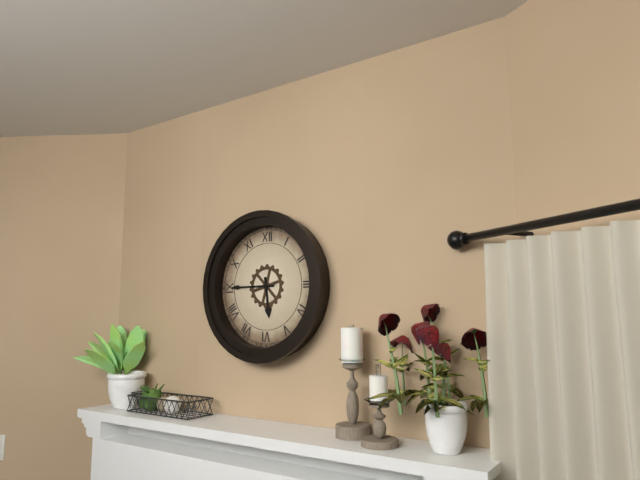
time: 5:45
